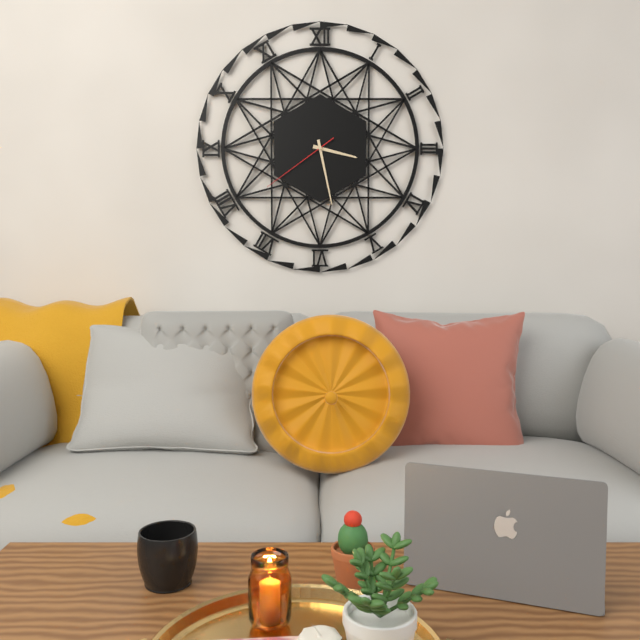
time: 3:28:39
